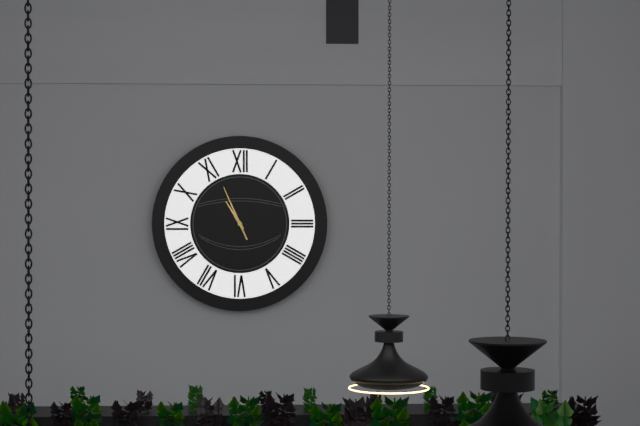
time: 10:56
